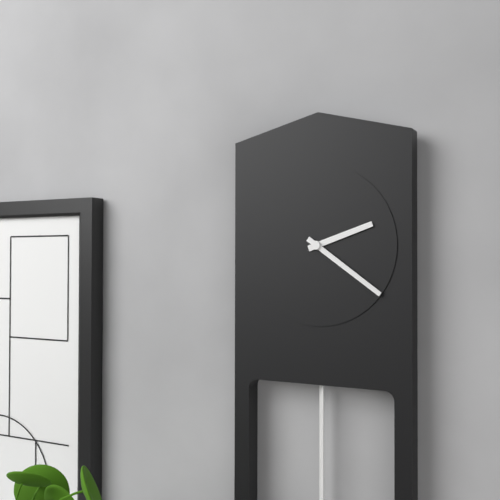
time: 2:21
